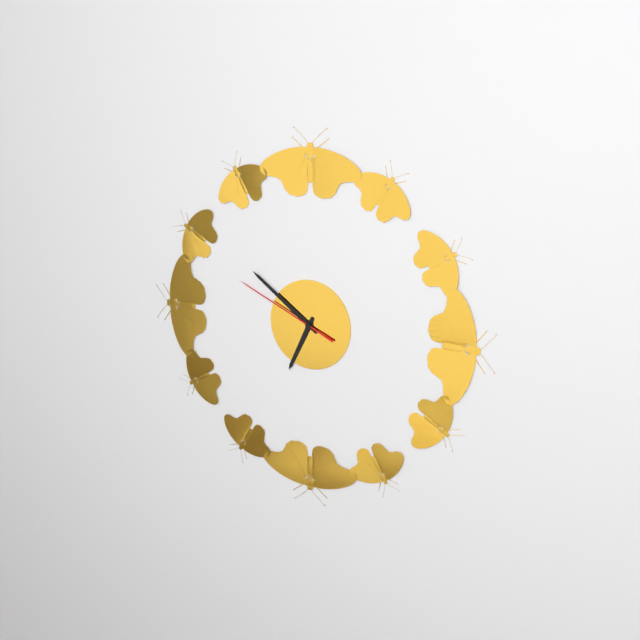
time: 6:51:49
